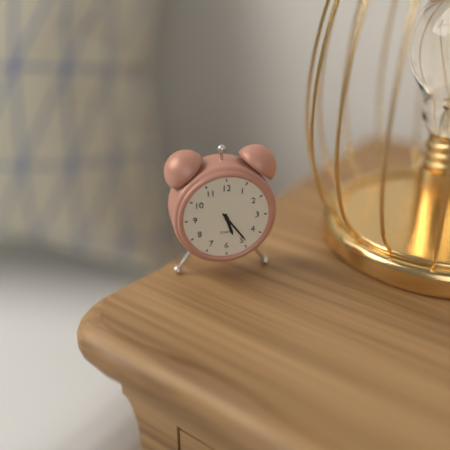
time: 5:24
